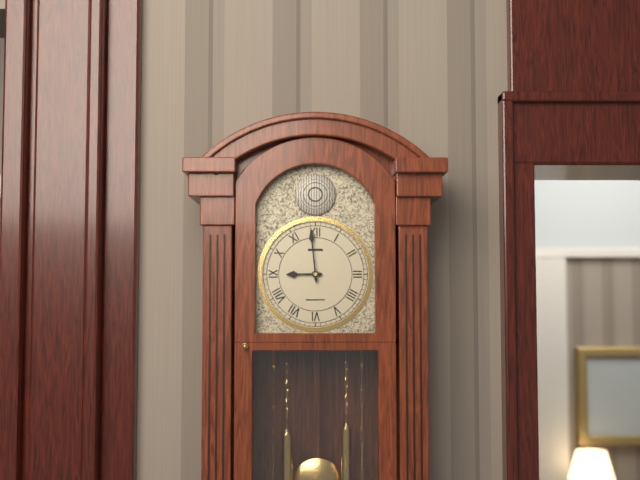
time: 8:59
